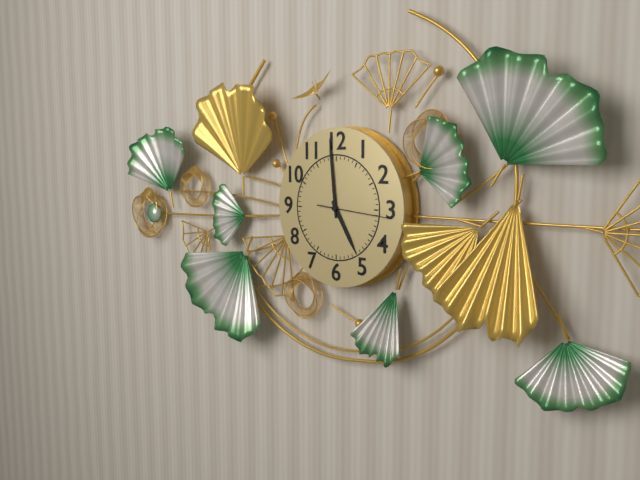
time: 4:59:16
